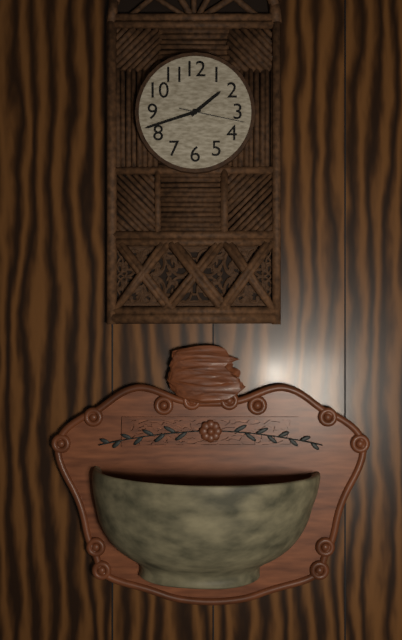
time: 1:42:17
